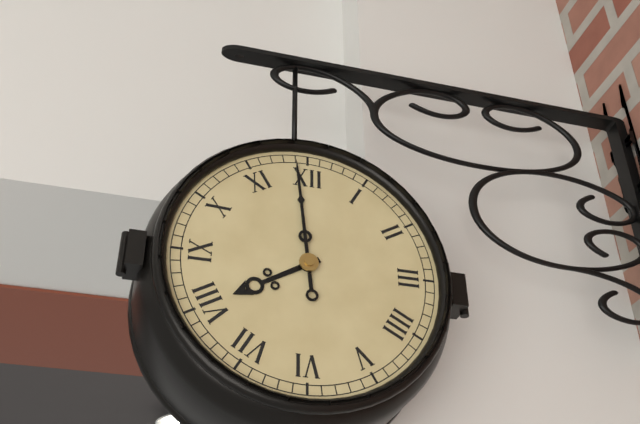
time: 7:59
